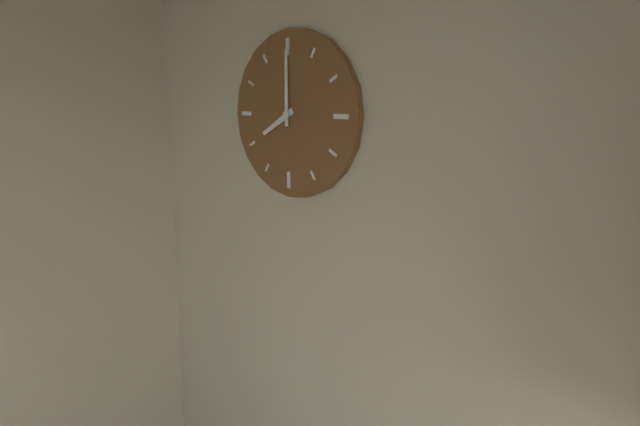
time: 8:00
